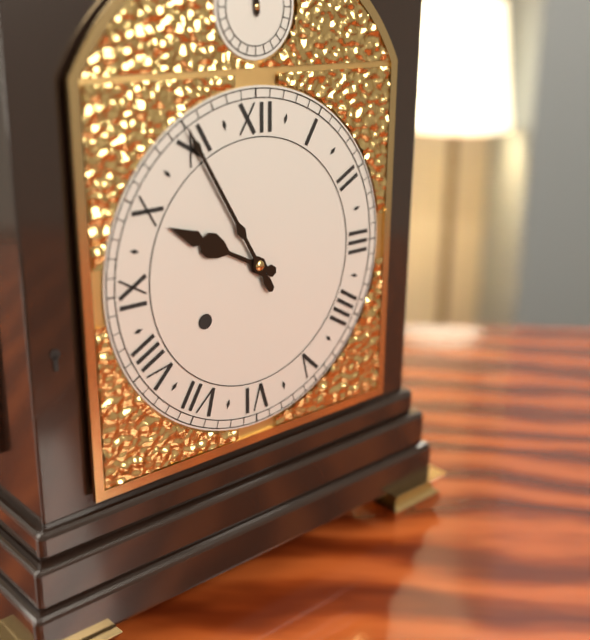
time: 9:55
